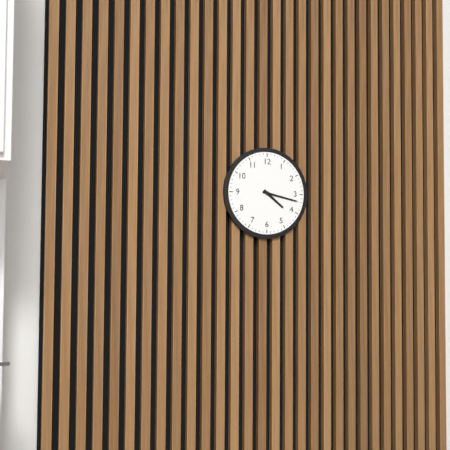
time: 4:17
